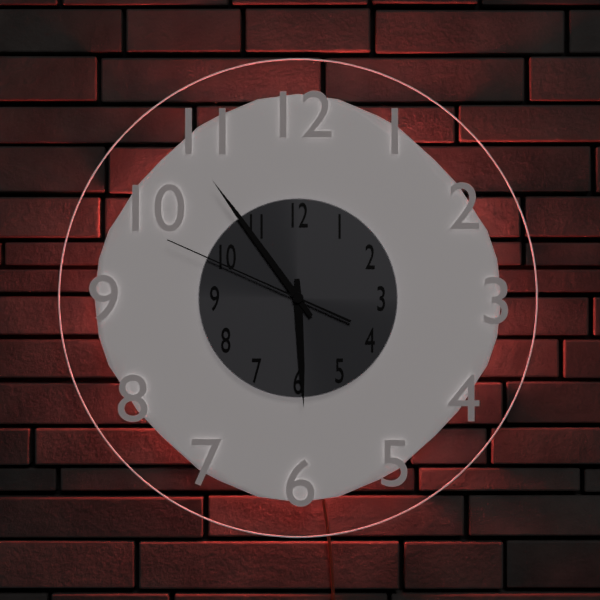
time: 5:54:49
